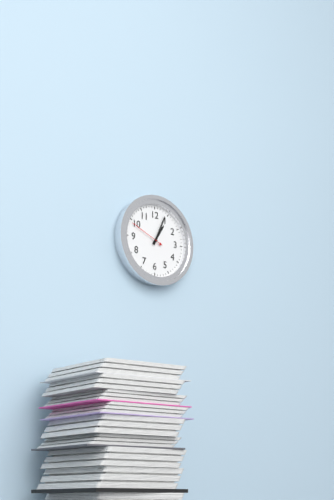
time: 1:04
